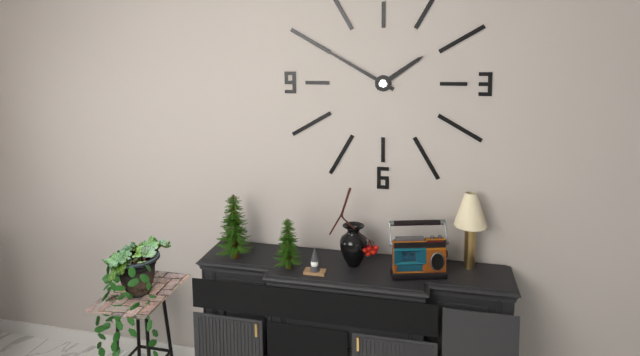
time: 1:50
